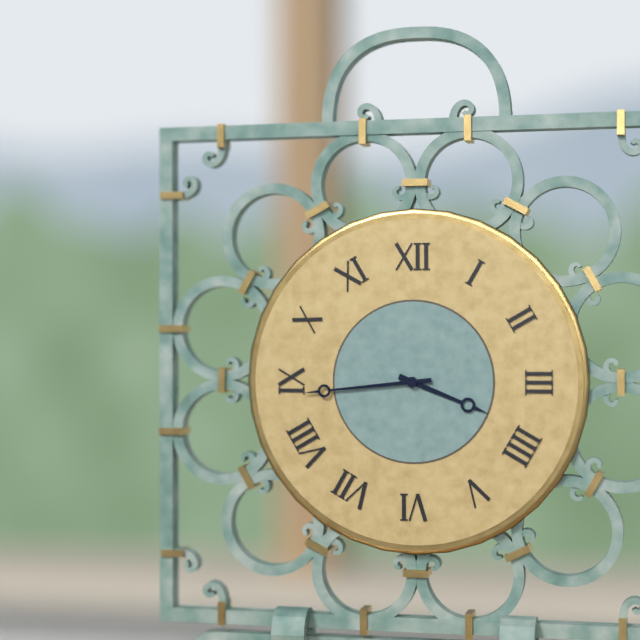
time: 3:44
